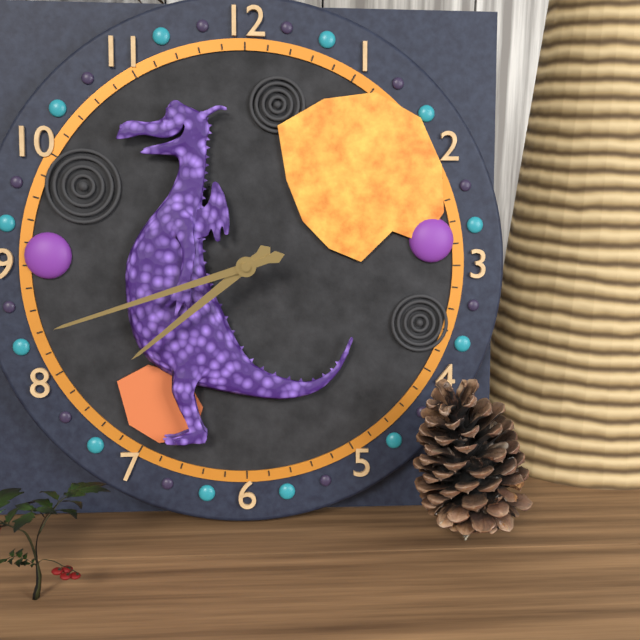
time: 7:42
